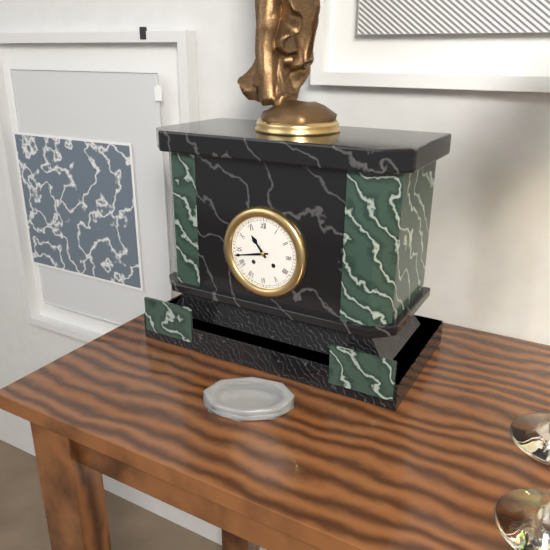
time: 10:43
